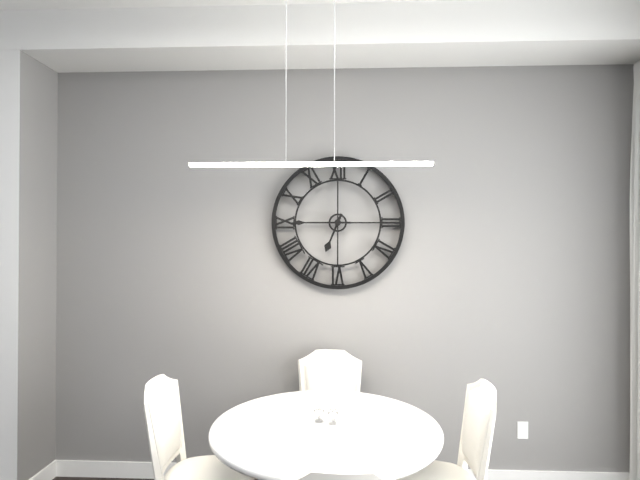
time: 6:45
